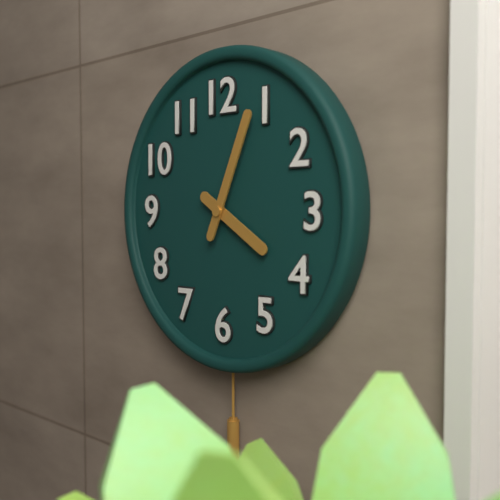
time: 4:04
